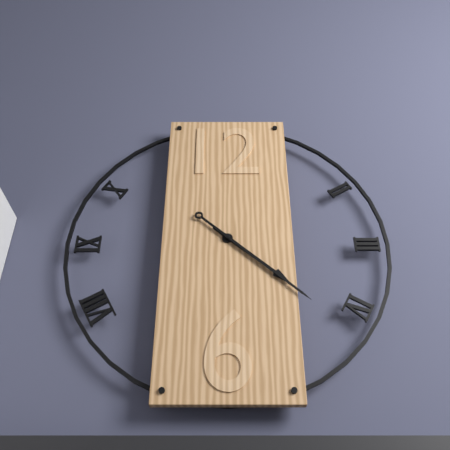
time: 4:22
